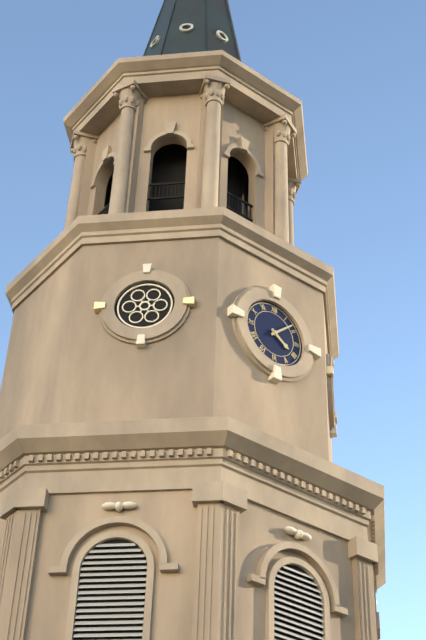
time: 4:08
